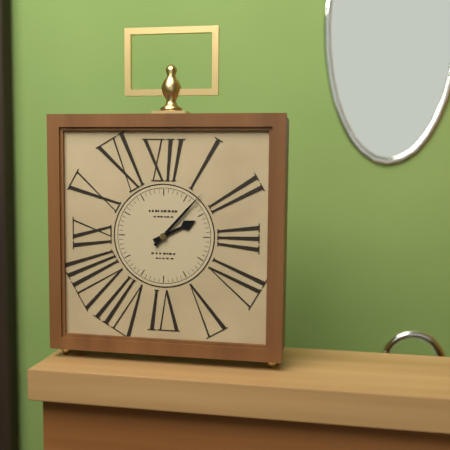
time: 2:07
